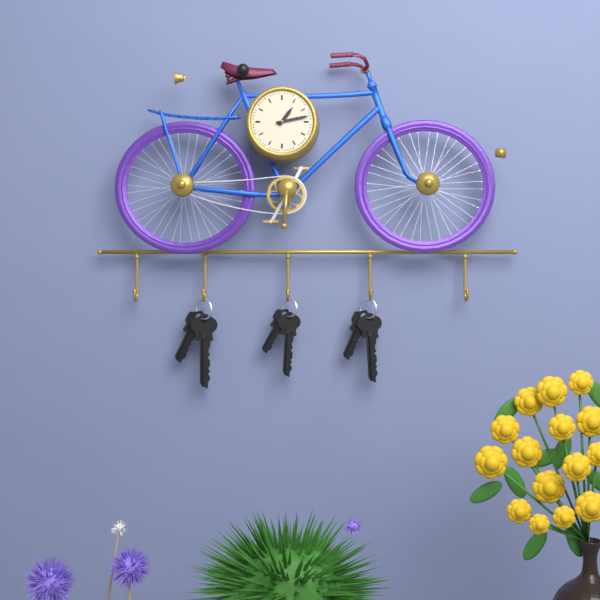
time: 1:13
